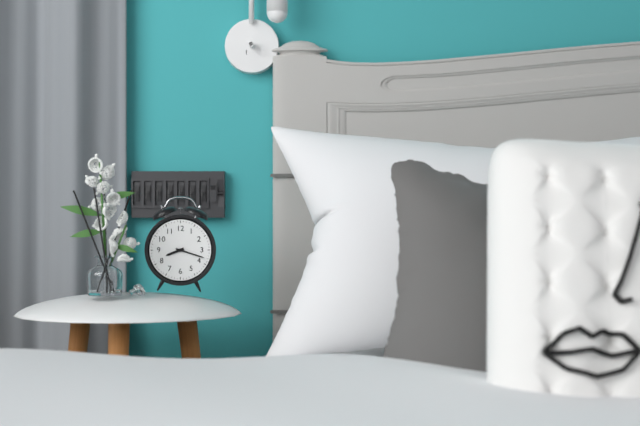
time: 8:18
